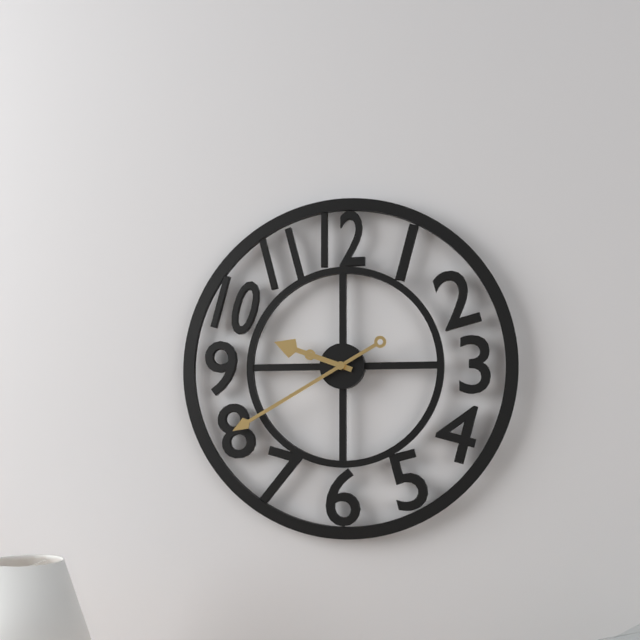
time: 9:40
